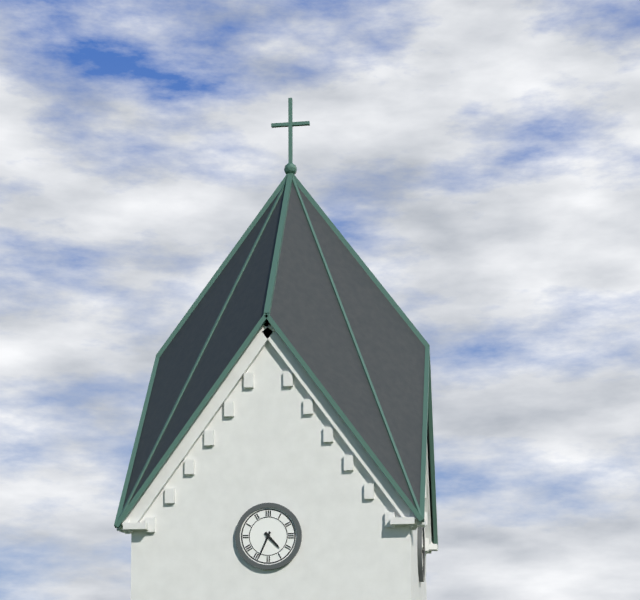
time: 4:34
